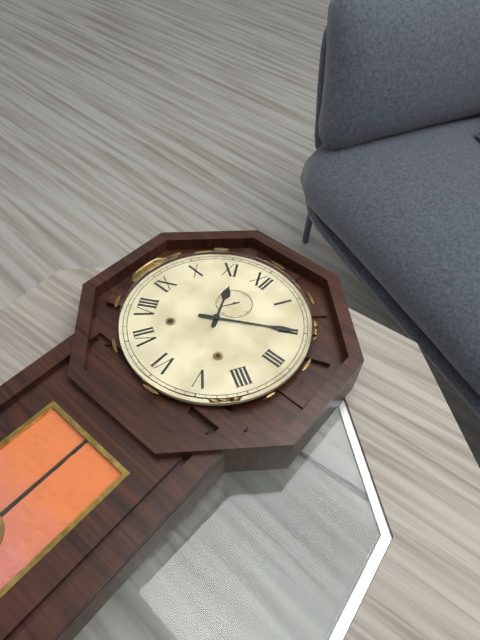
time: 11:10
